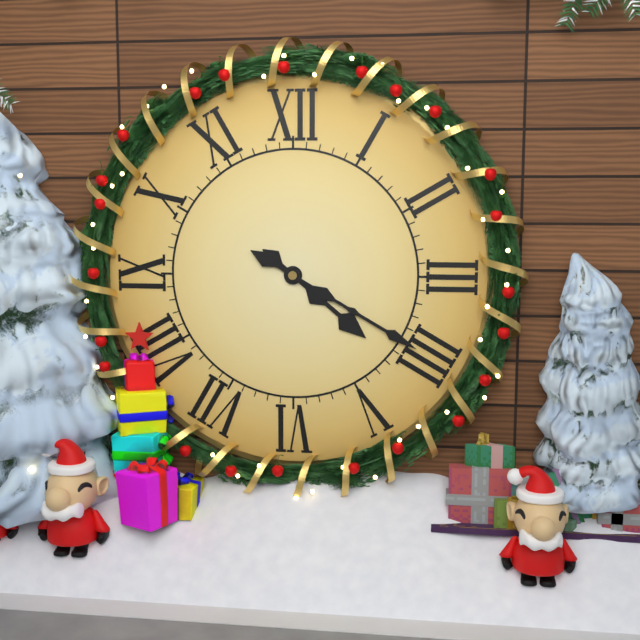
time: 4:20
